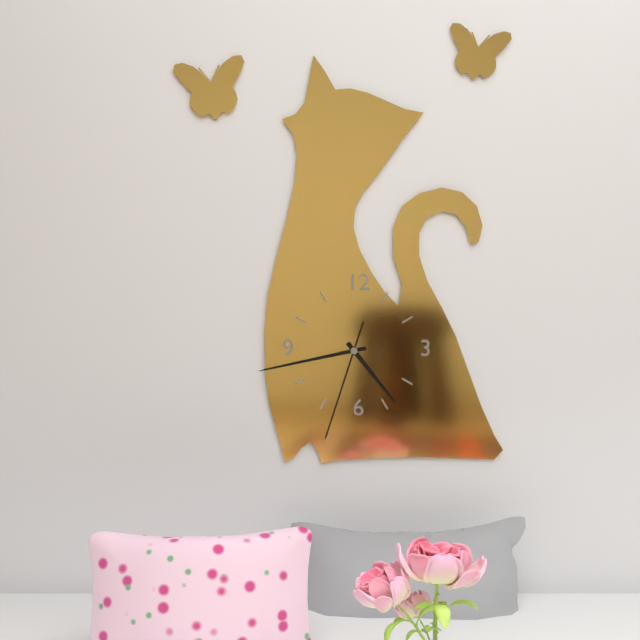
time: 4:43:33
